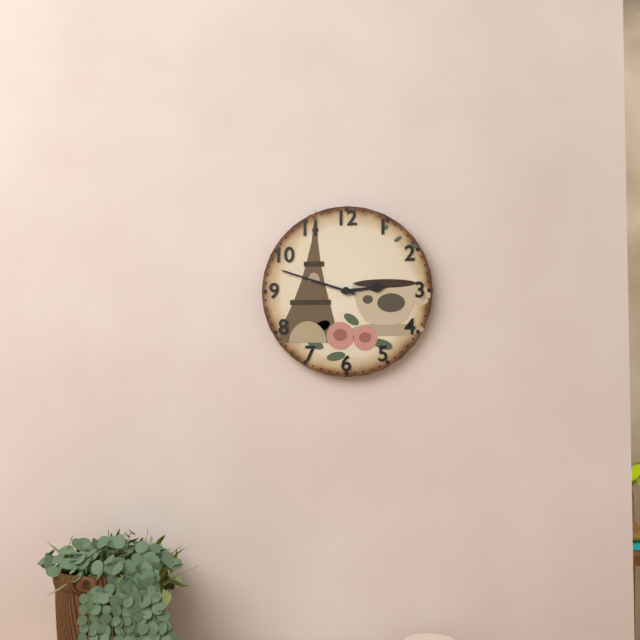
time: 2:48
